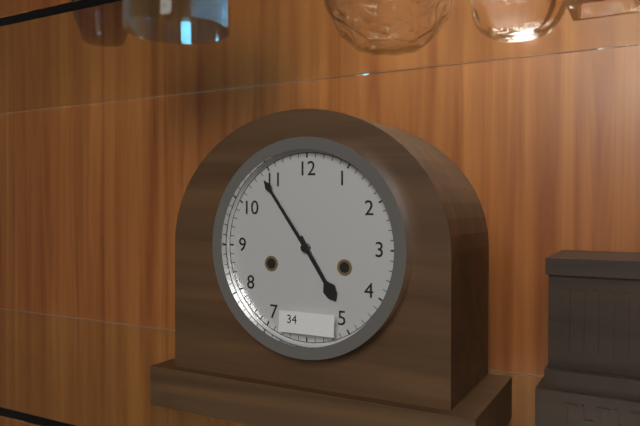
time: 4:54
